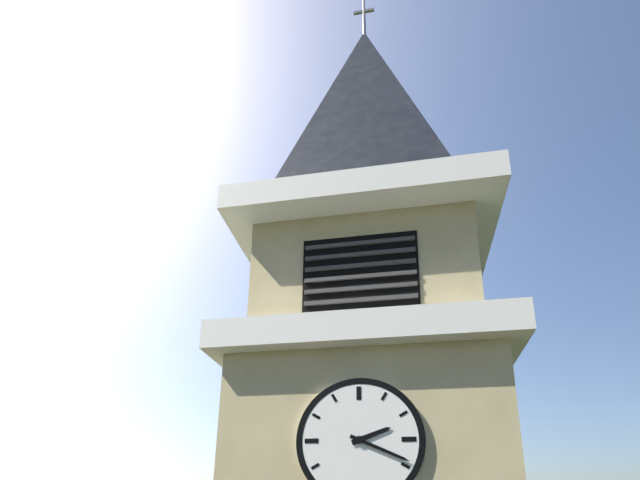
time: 2:19
